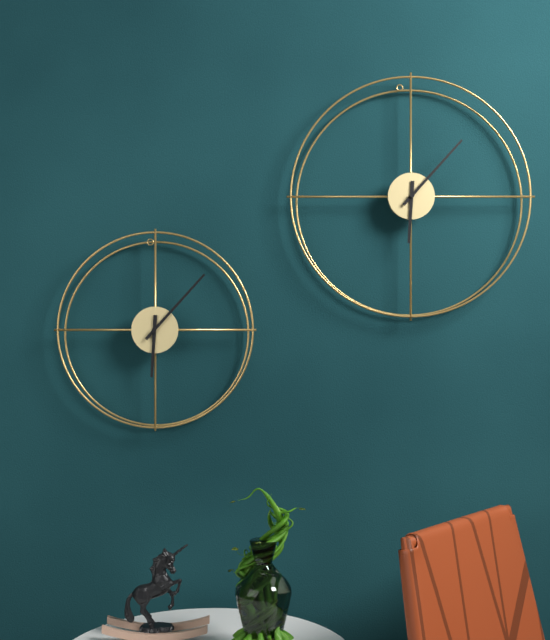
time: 6:07
